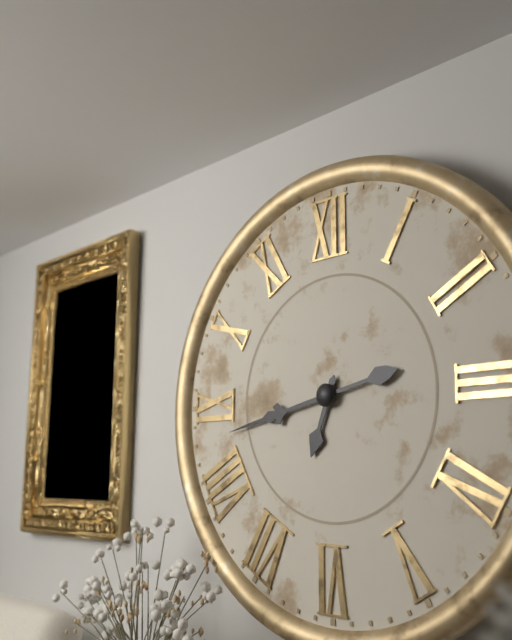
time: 6:43
